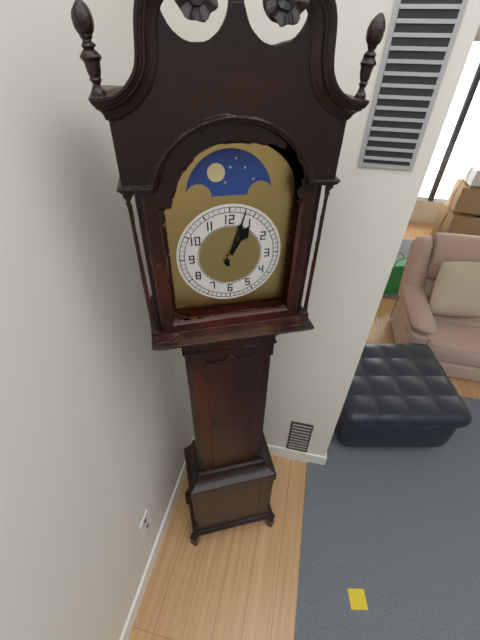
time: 1:03
